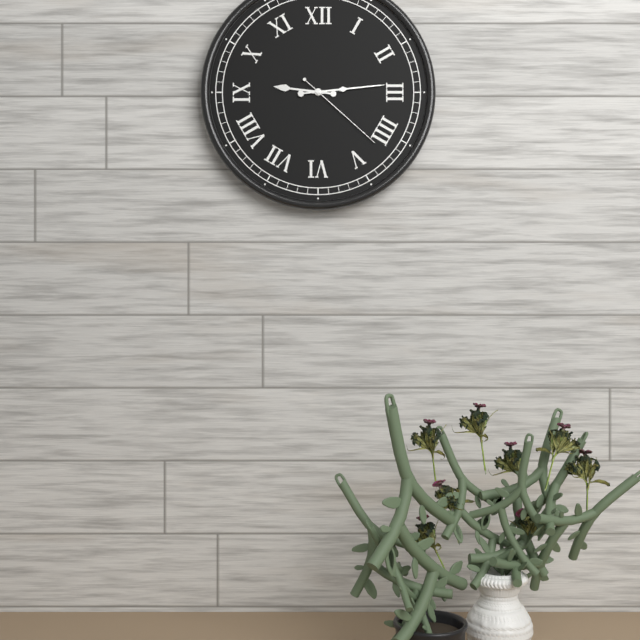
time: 9:14:22
